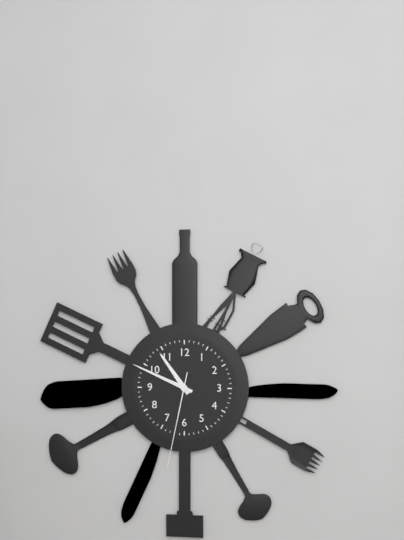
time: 10:49:32
